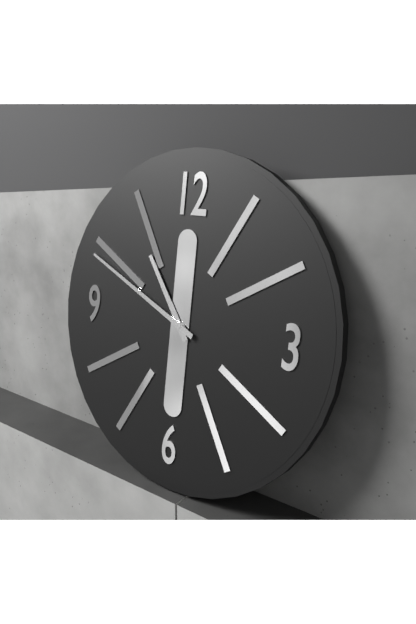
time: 10:49
